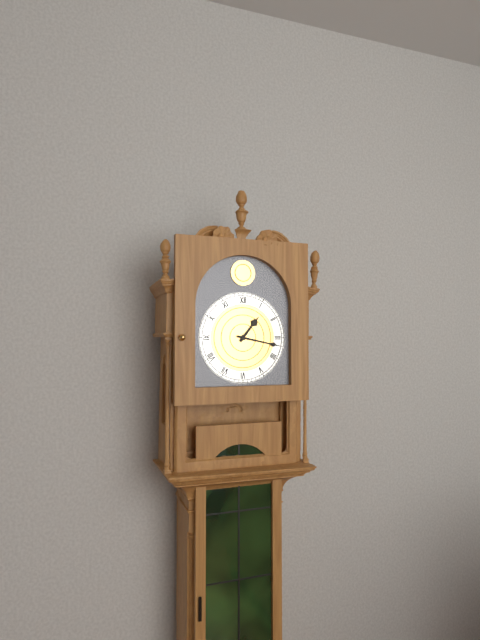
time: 1:17
